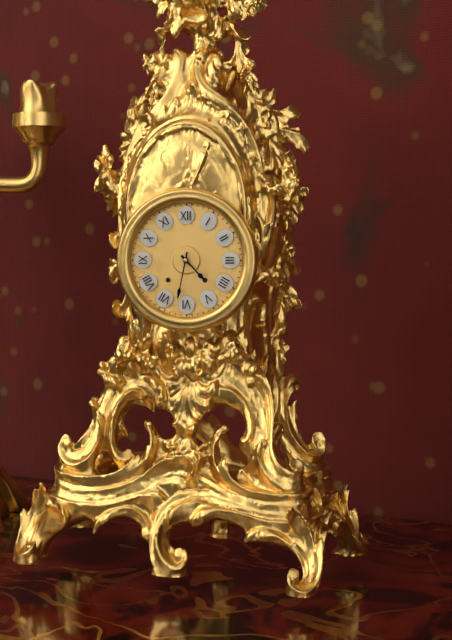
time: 4:32
